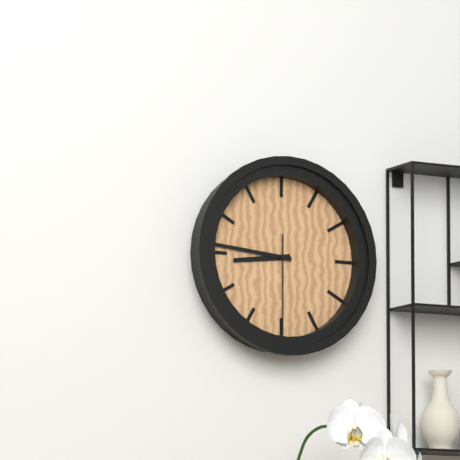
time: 8:46:30
